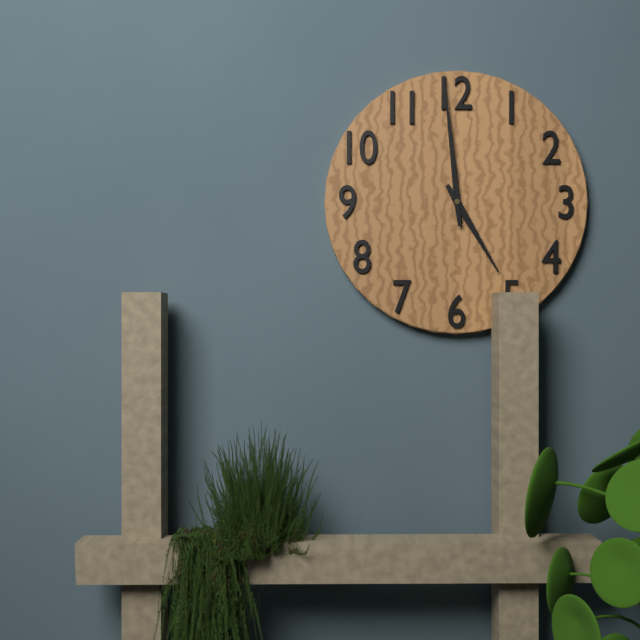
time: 4:59
